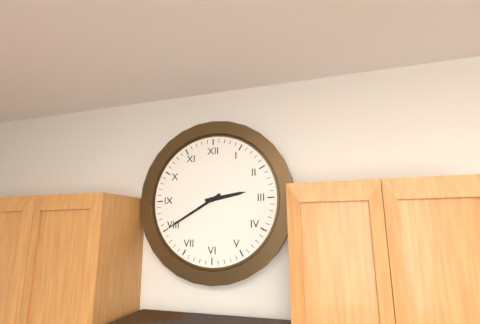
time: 2:40
